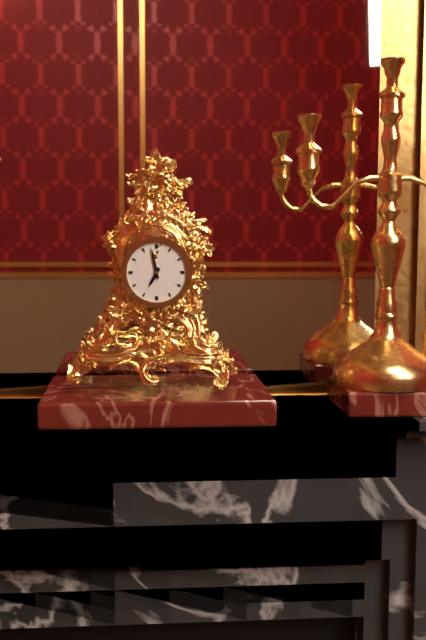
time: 6:58
